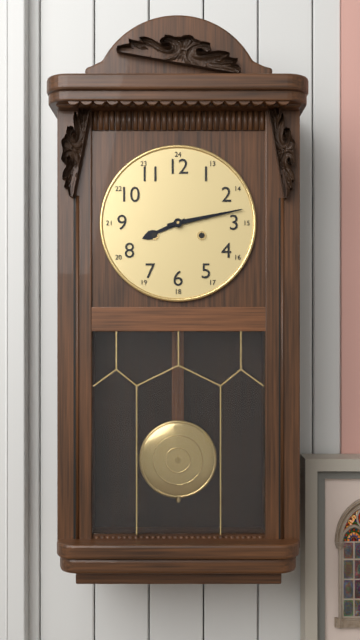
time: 8:13
